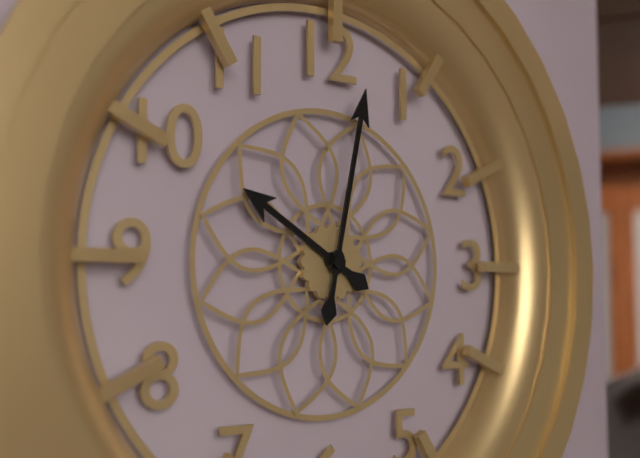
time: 10:02
